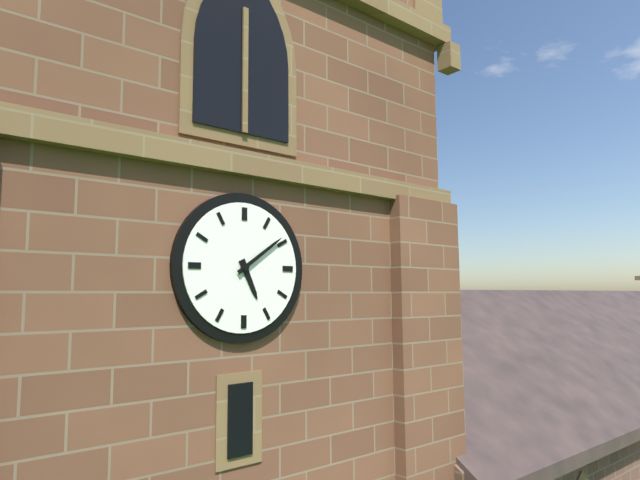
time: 5:09
